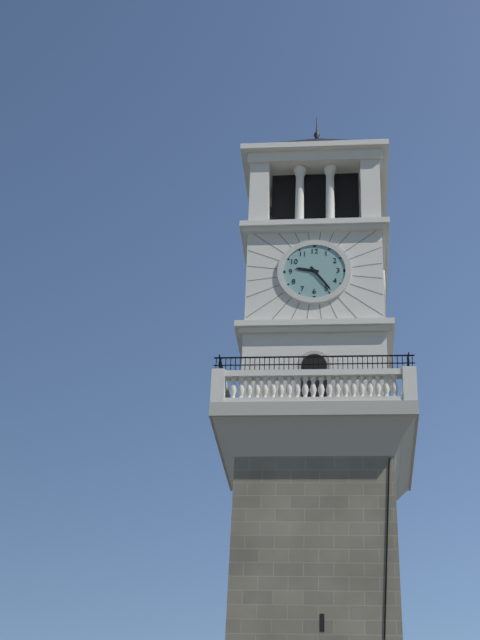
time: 9:24
